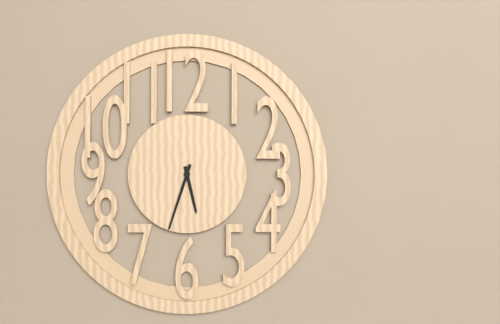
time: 5:33
